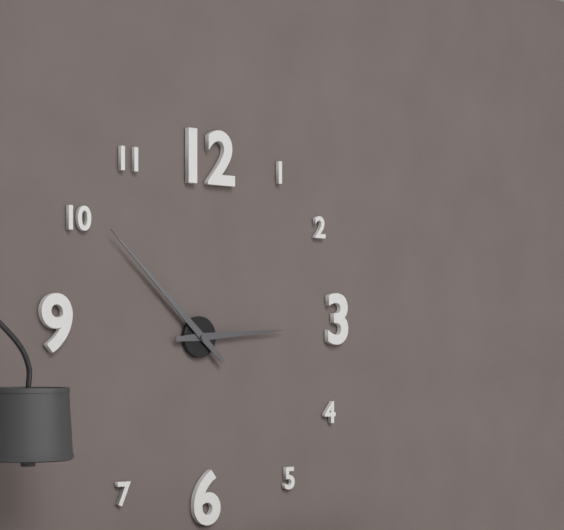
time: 2:52
